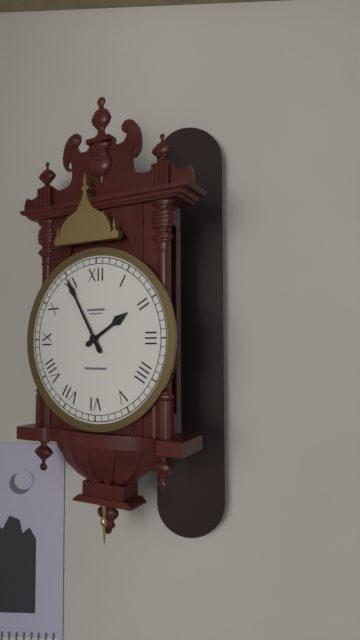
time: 1:55
